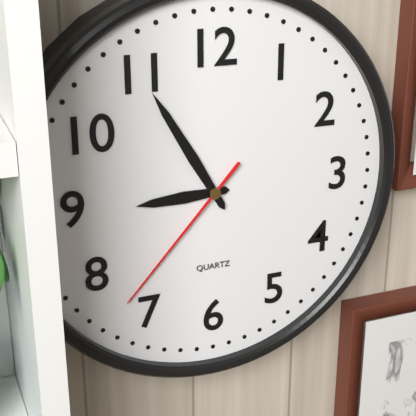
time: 8:55:37
